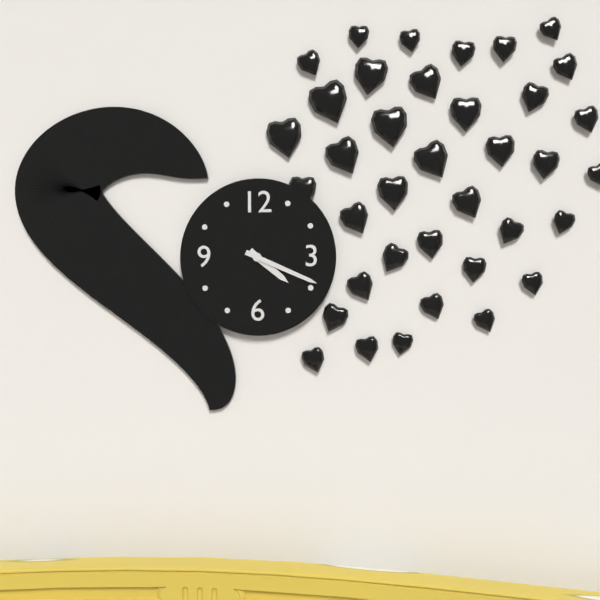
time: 4:19
